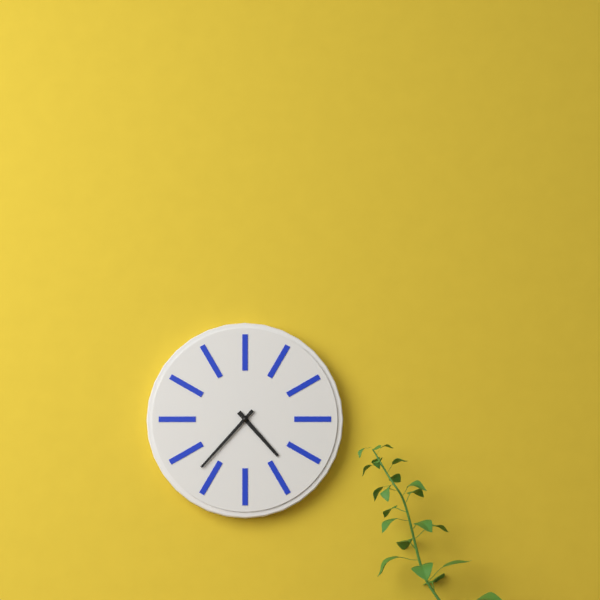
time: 4:37
